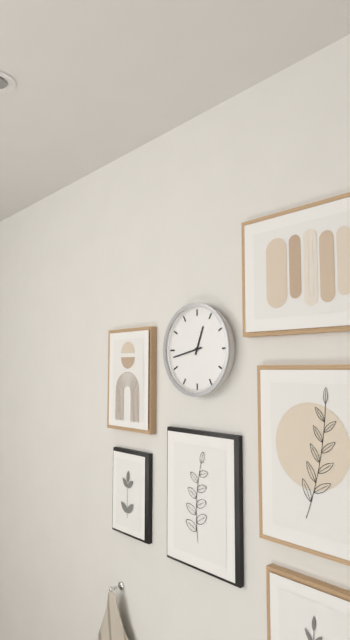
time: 12:43
